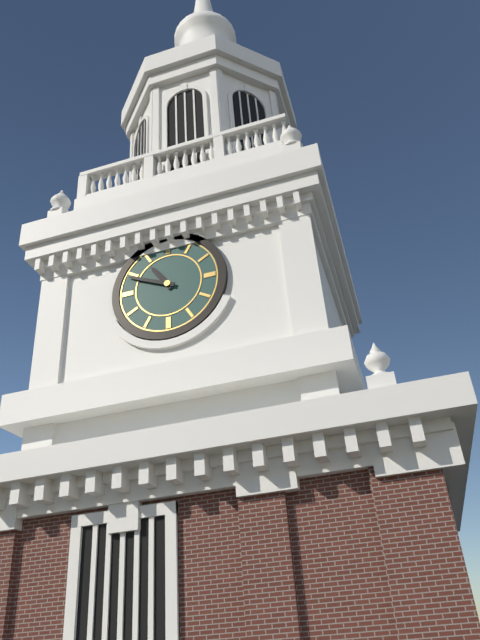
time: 10:49
